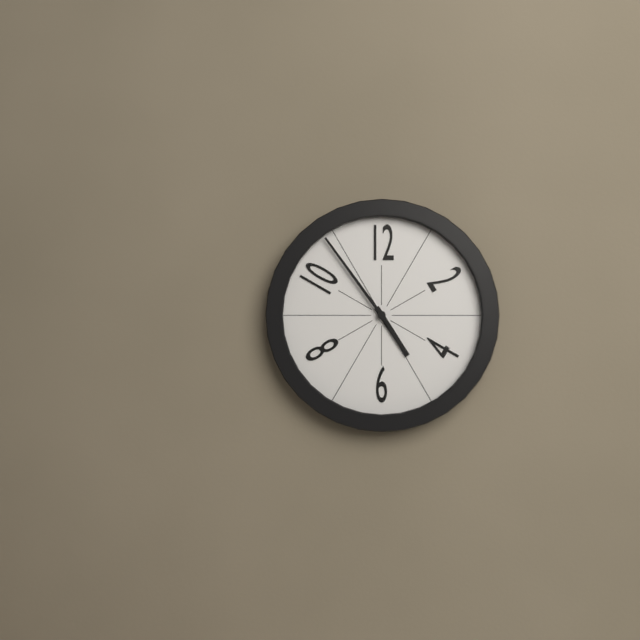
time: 4:54
